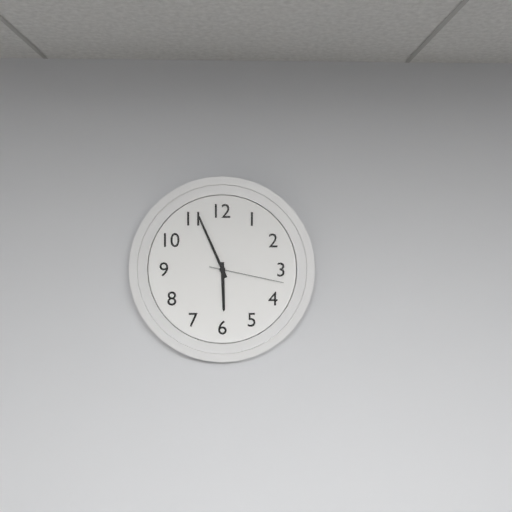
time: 5:56:17
